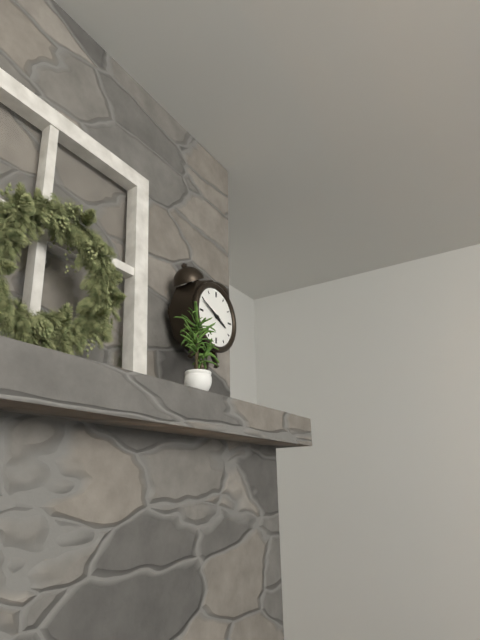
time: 3:49
